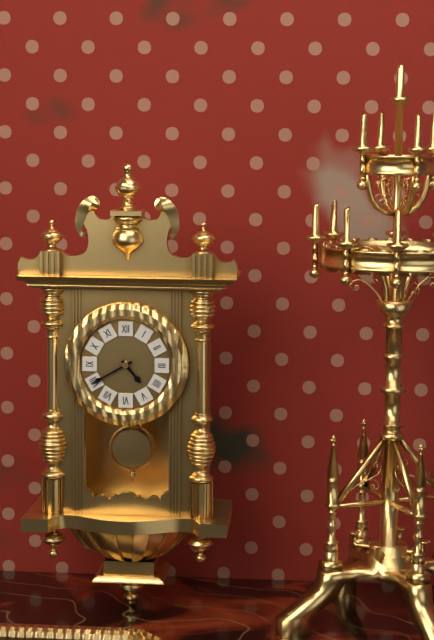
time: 4:40
